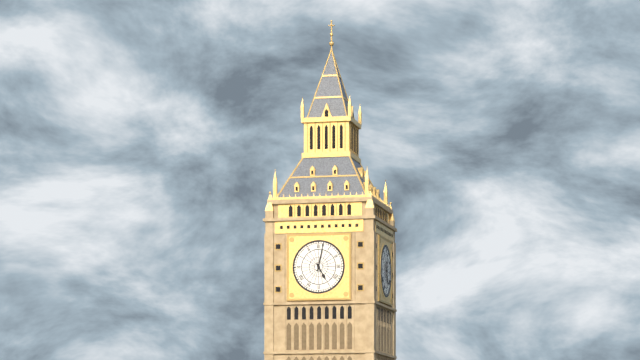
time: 5:02
